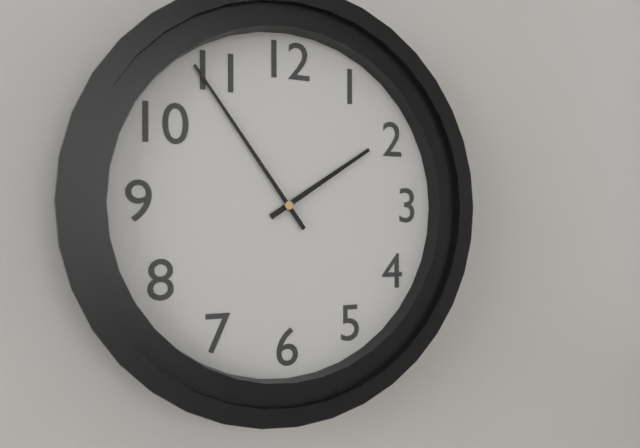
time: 1:54
